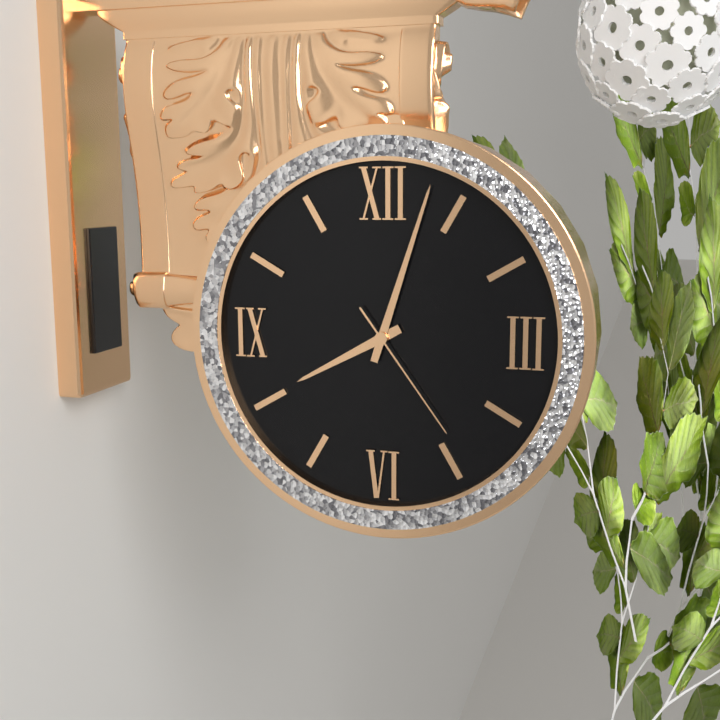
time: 8:03:24
